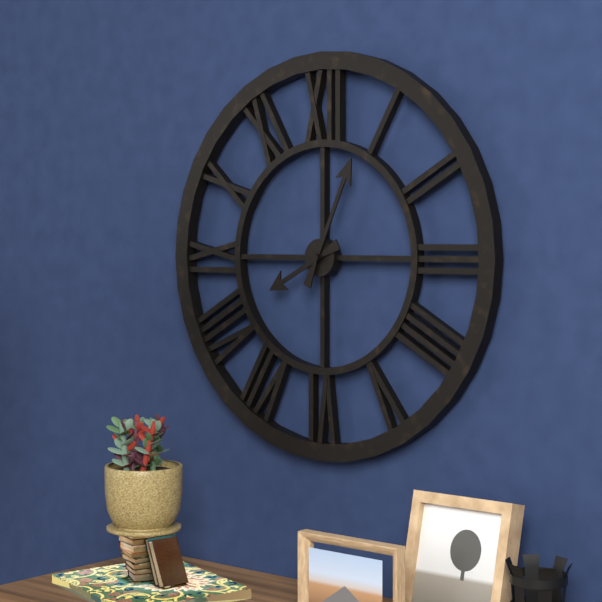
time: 8:04
